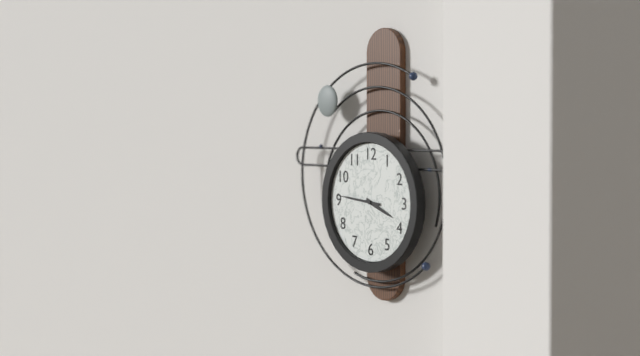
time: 3:46
